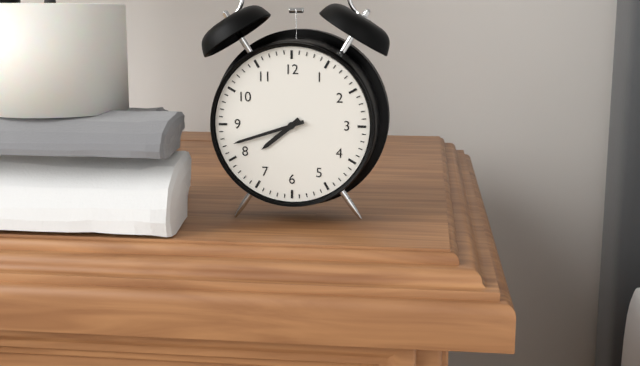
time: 7:42
